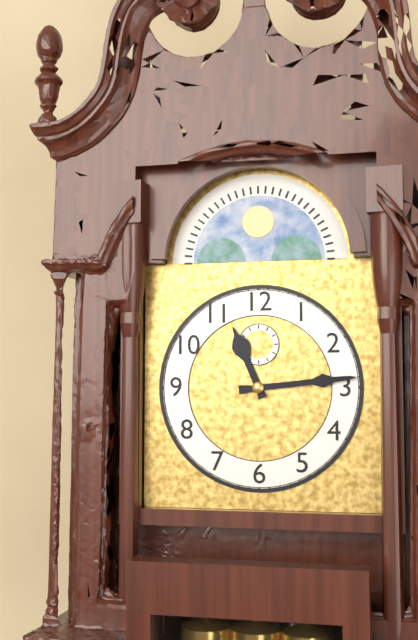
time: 11:14
